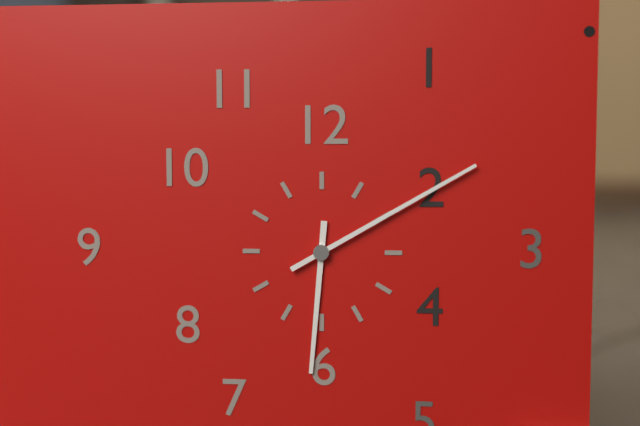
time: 6:10
